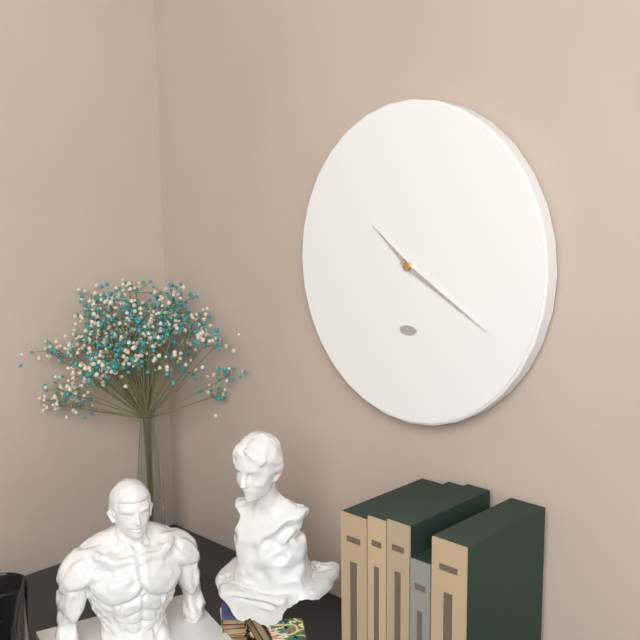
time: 10:20
